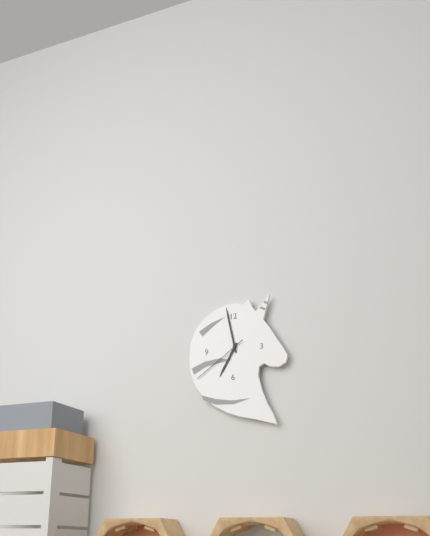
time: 6:58:39
